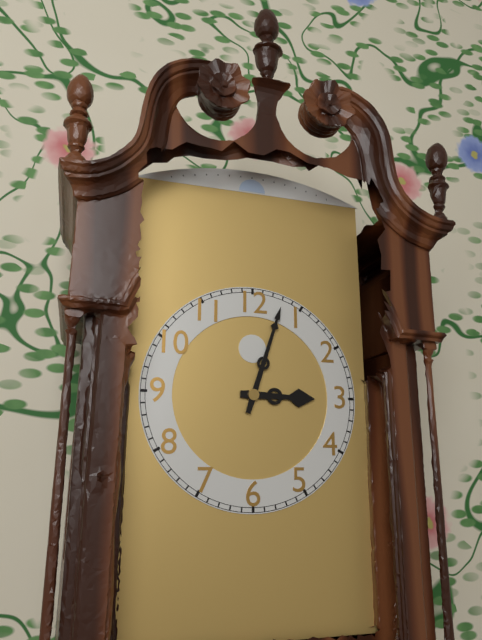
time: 3:03
